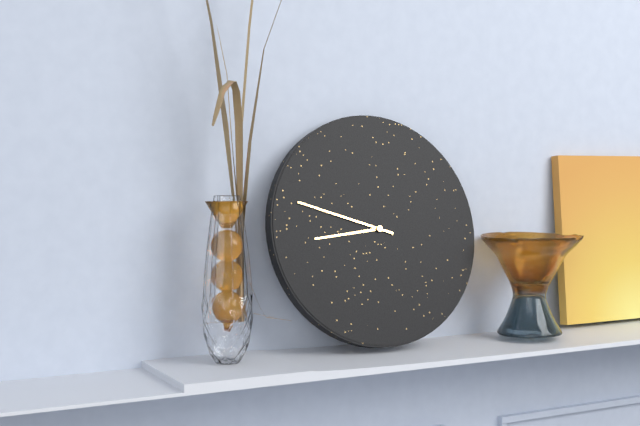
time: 8:48
